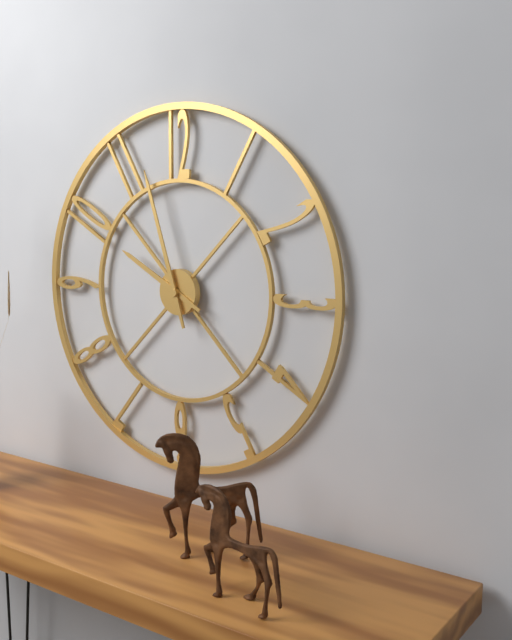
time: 9:57
